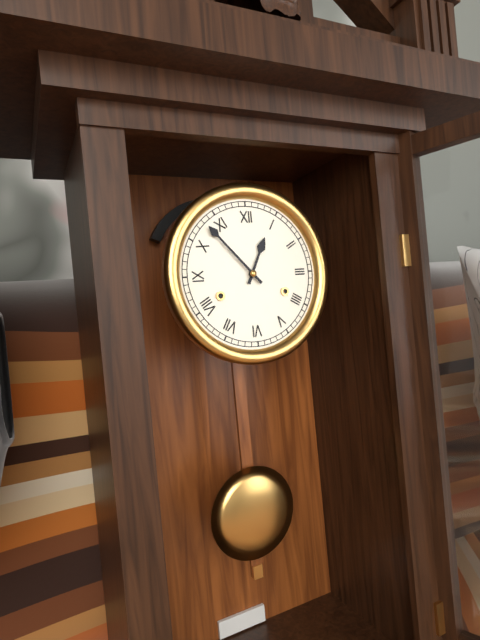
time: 12:53
